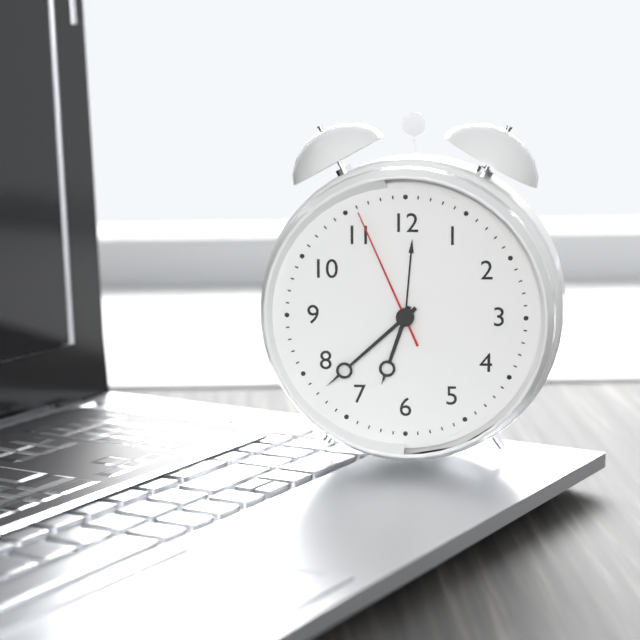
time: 6:38:56
